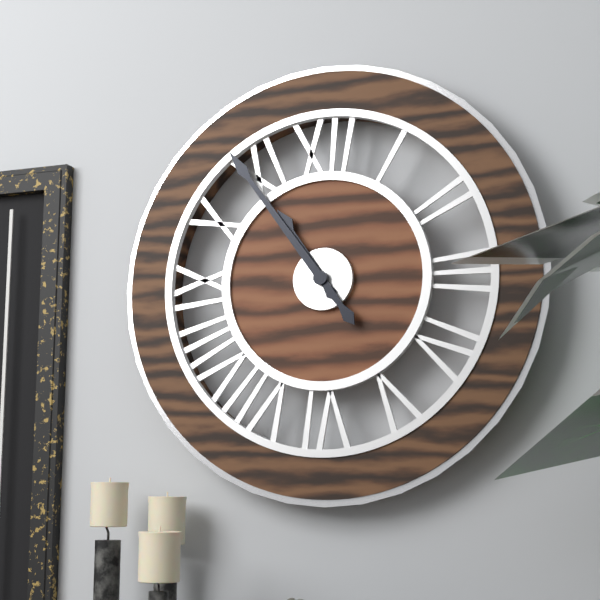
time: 10:54
